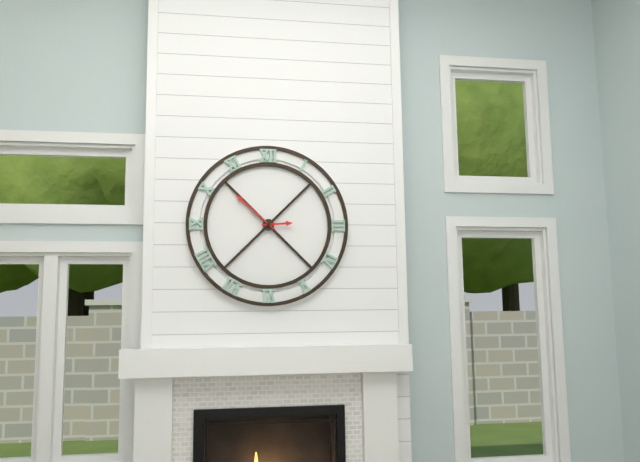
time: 2:52
